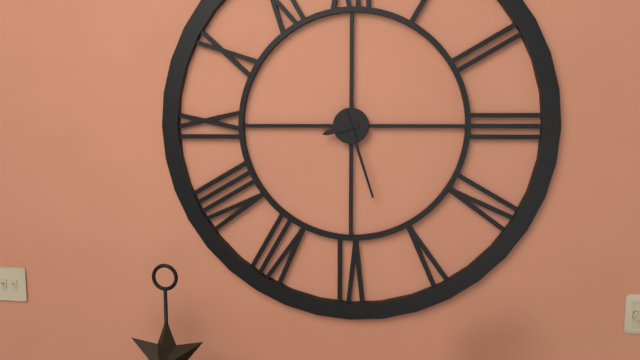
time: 8:27
